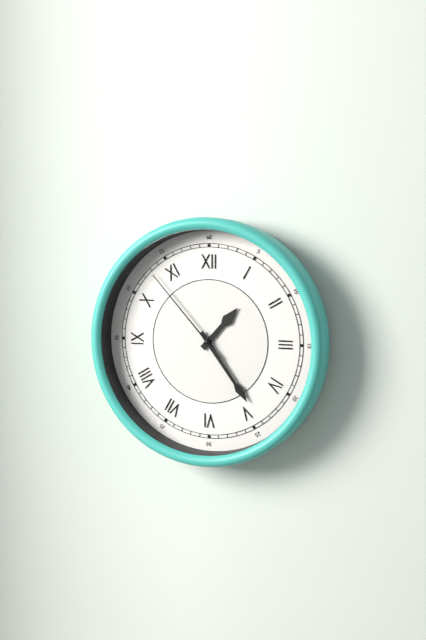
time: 1:24:53
